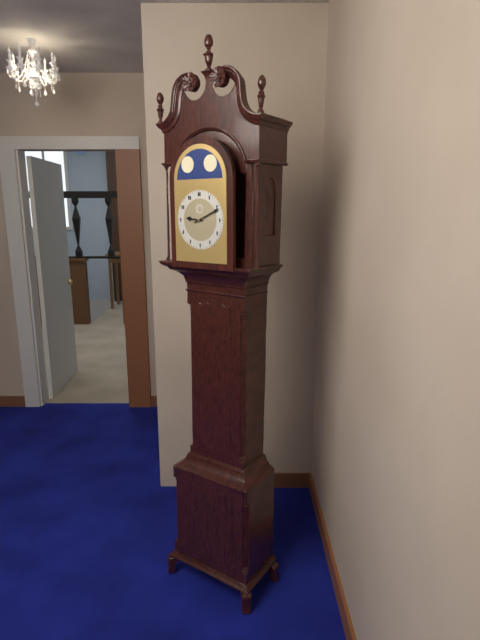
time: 9:11
